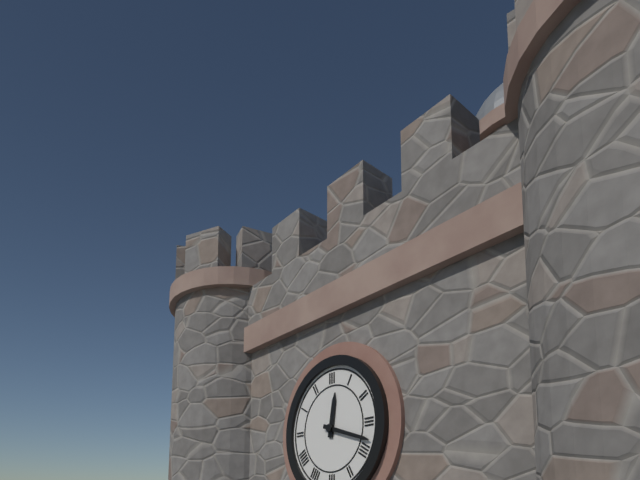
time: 12:18
